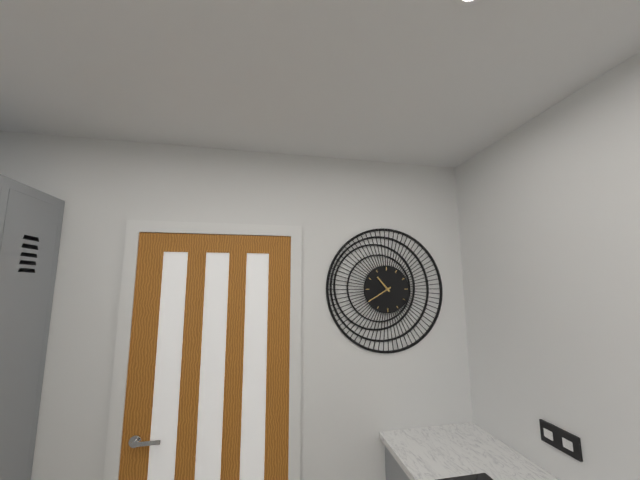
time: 10:40
